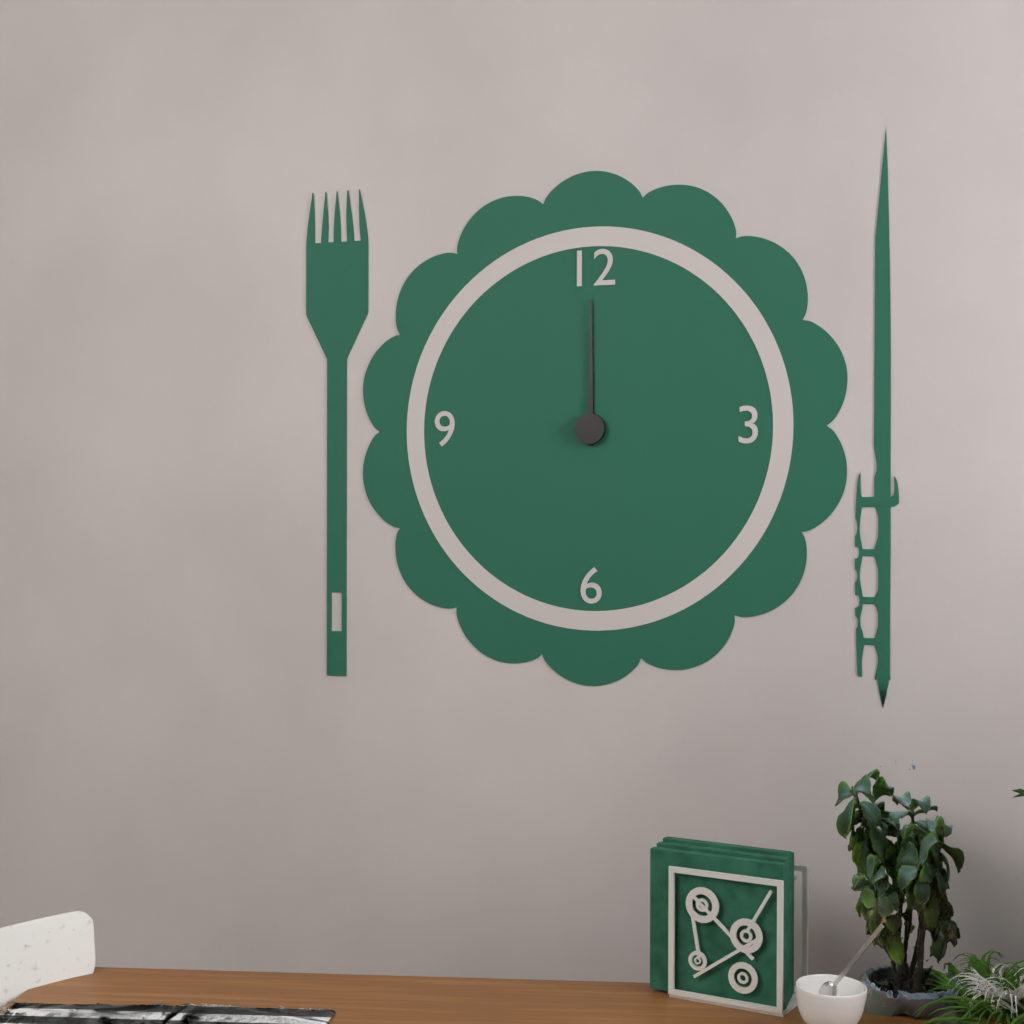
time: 12:00
